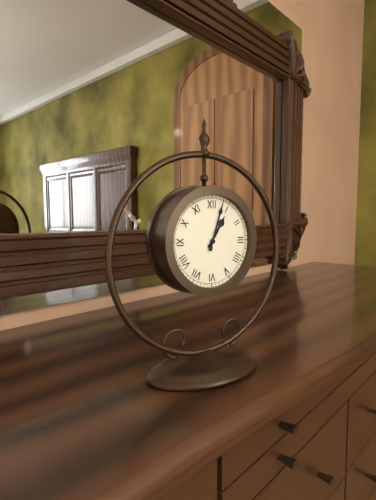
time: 1:03
